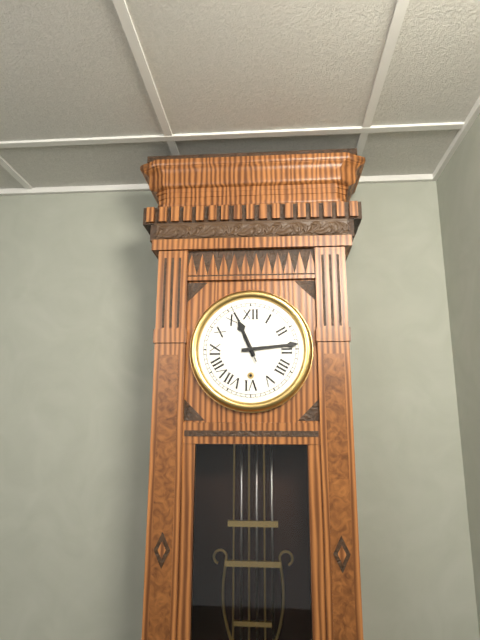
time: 11:14:56
